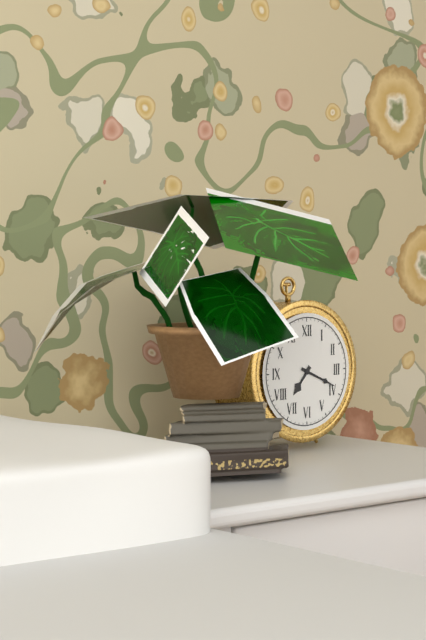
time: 7:19
